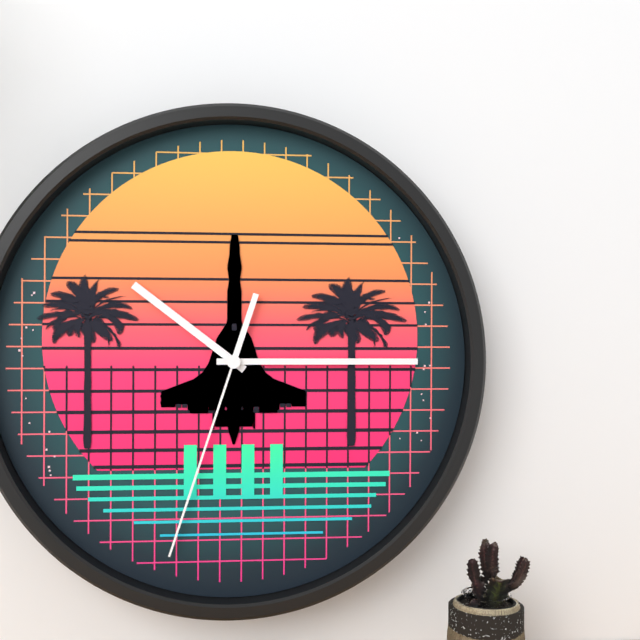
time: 10:15:33
